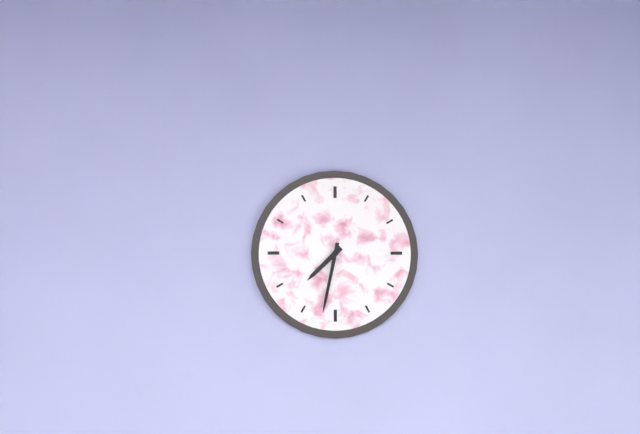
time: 7:32
